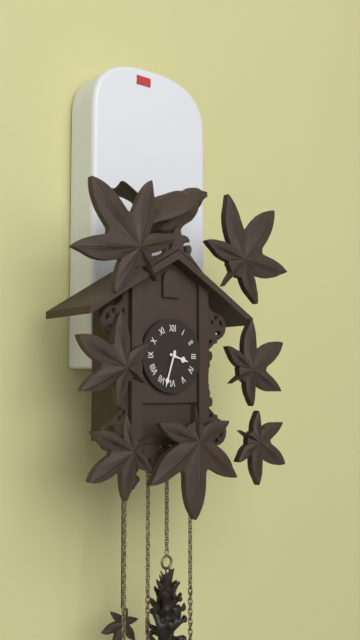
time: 3:33
